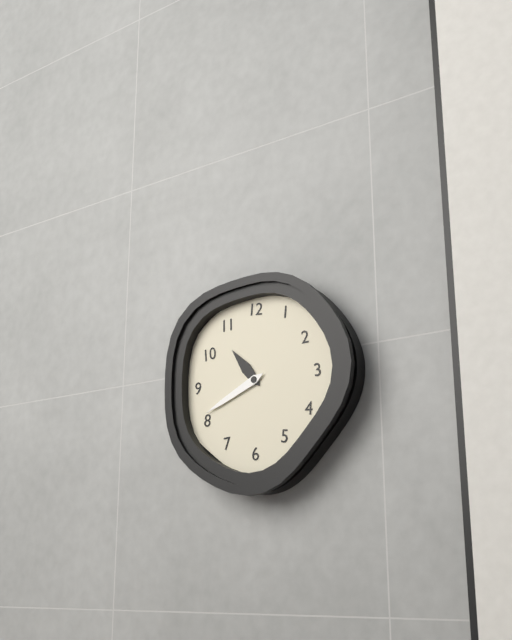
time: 10:41
